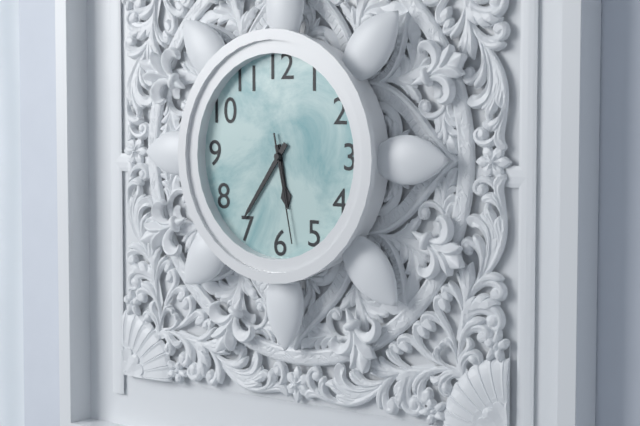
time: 5:36:28
